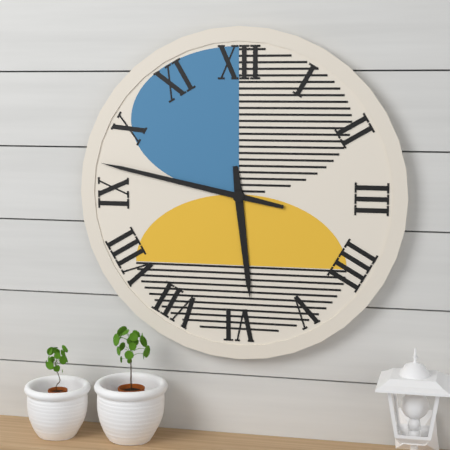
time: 5:47
